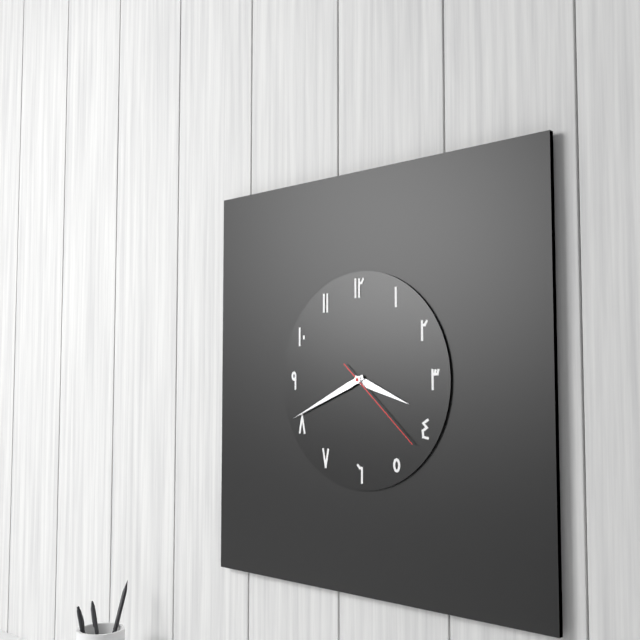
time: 3:41:22
